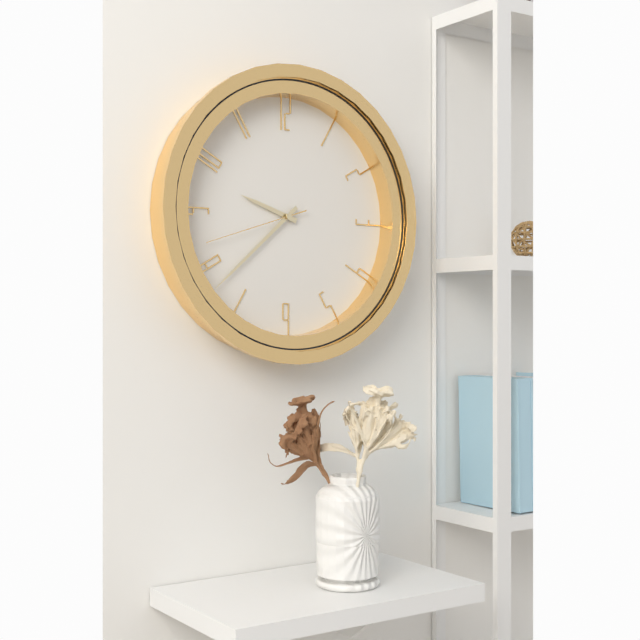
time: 9:38:42
